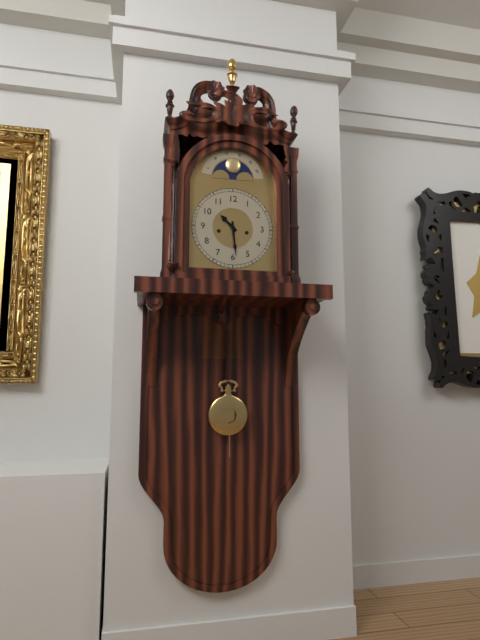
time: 10:29
